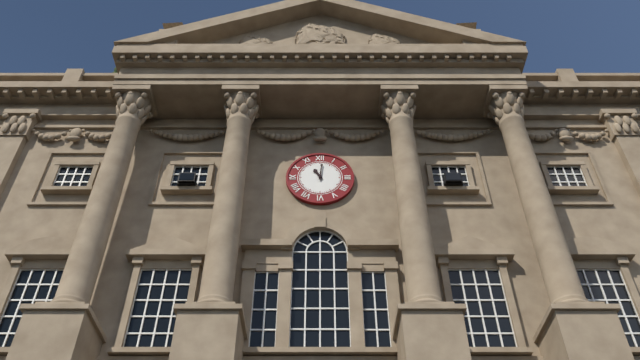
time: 11:01
